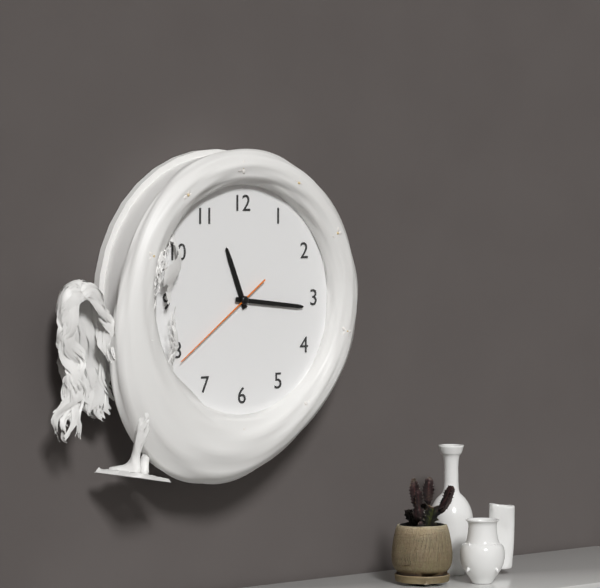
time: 11:16:39
